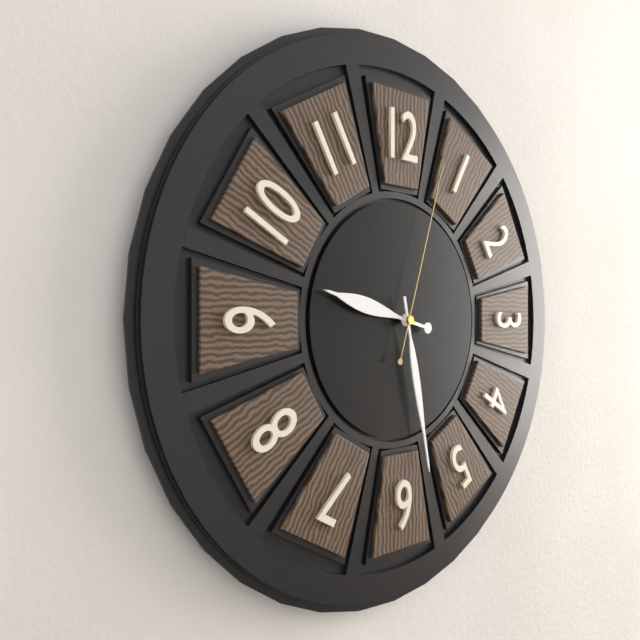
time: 9:28:03
